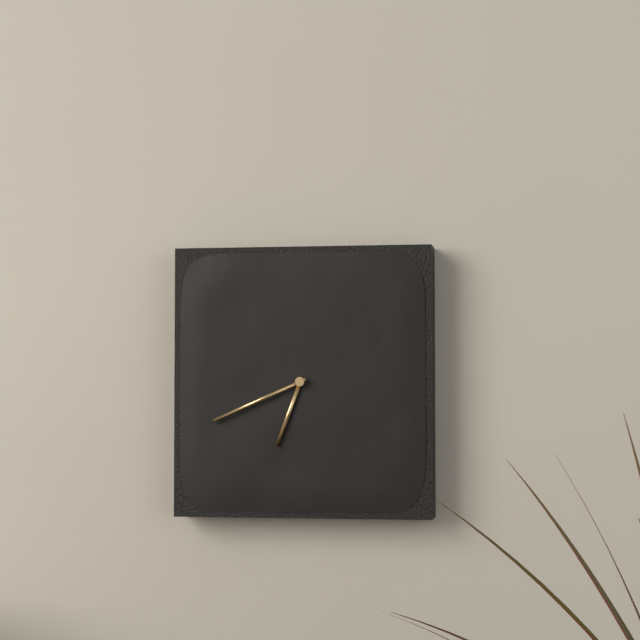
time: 6:41
